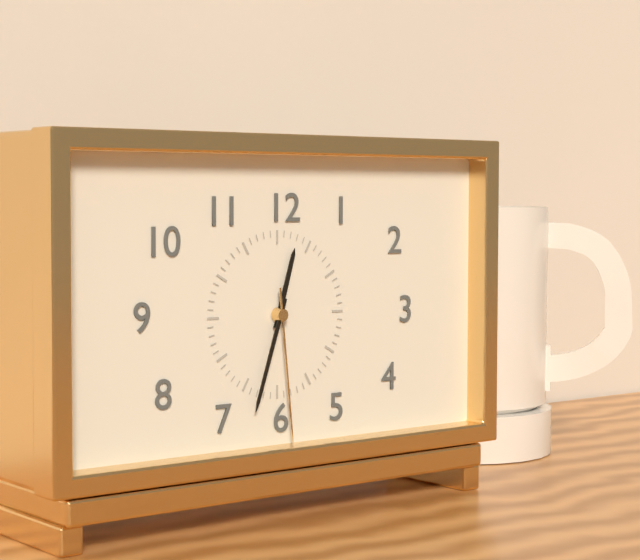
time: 12:33:29
